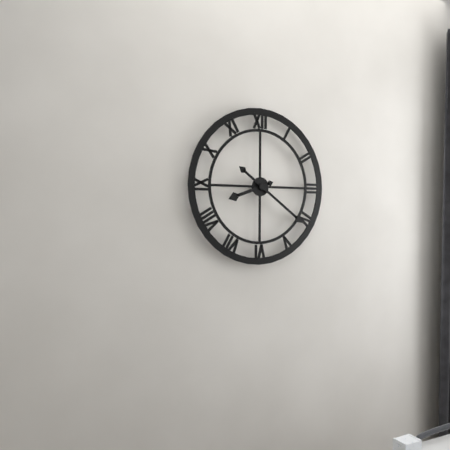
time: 8:21
